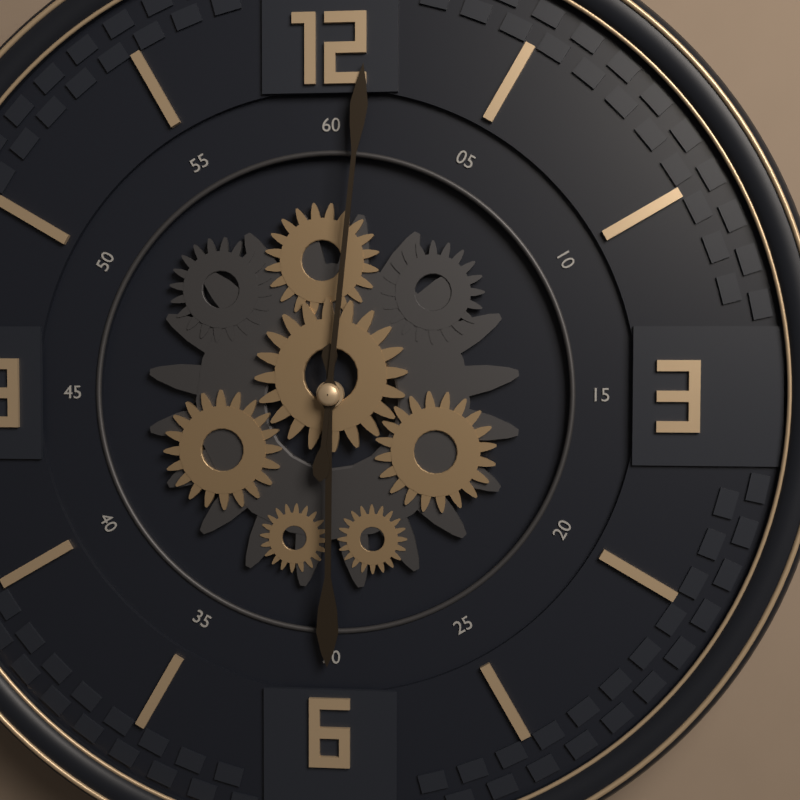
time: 6:01
